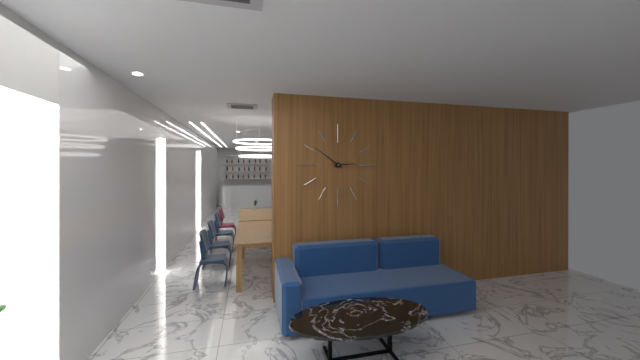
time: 2:51
